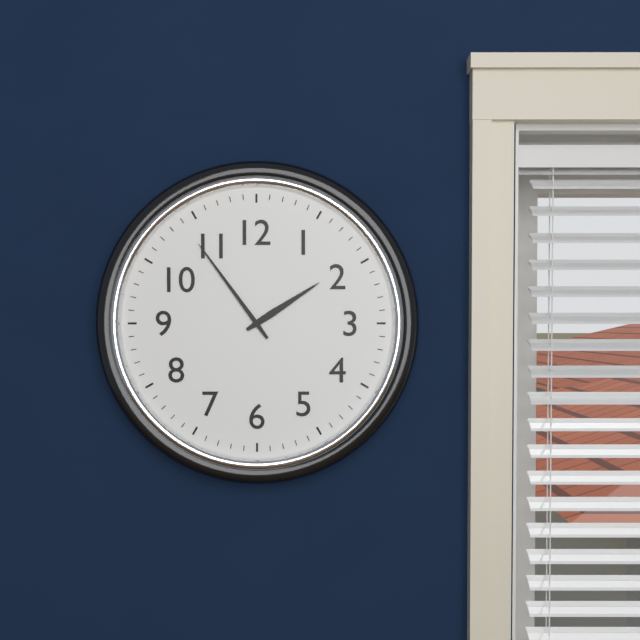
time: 1:54
